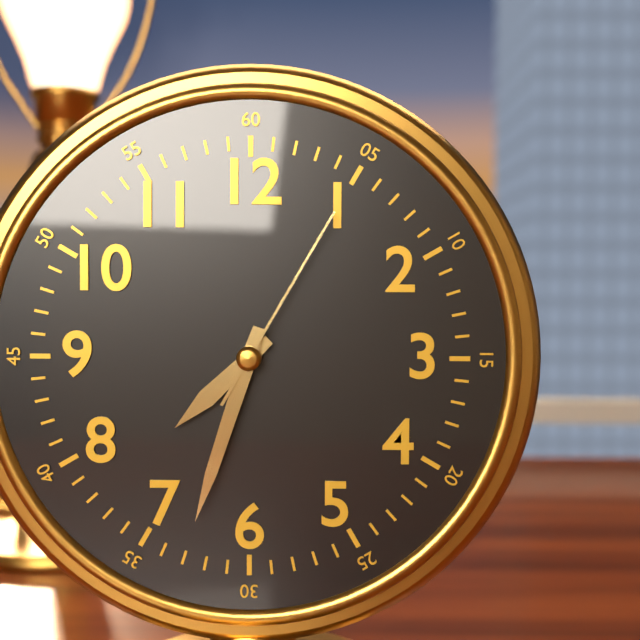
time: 7:33:05
